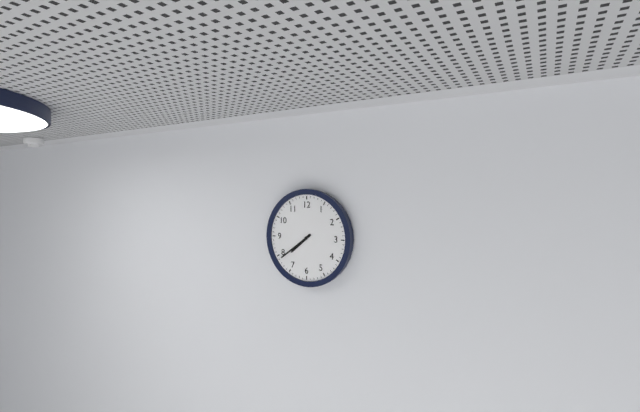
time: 7:39
